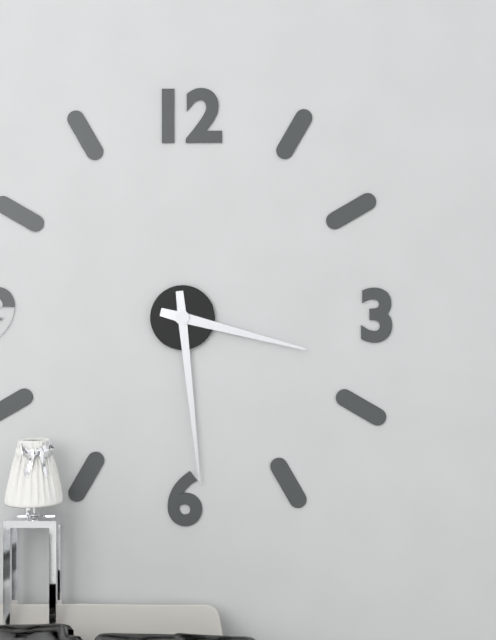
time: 3:29
